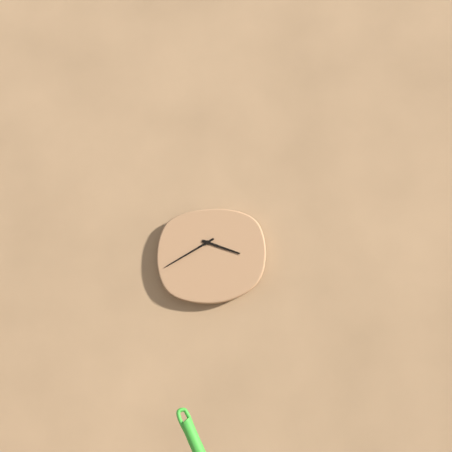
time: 3:40
